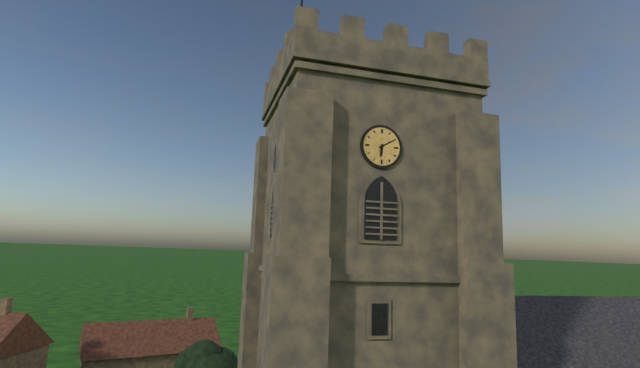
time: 6:10
